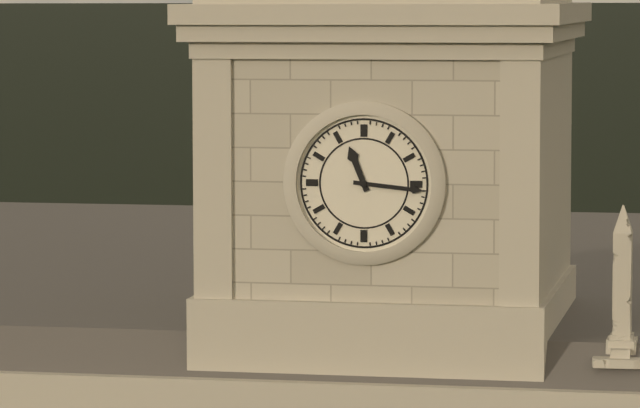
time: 11:16
